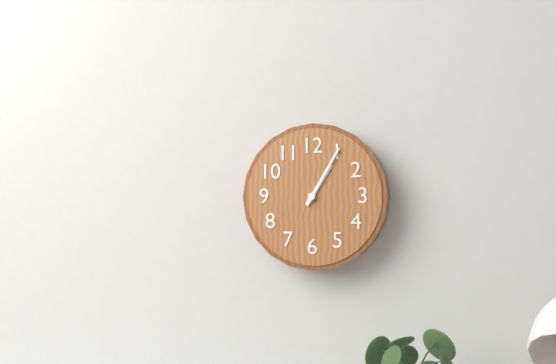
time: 1:05
